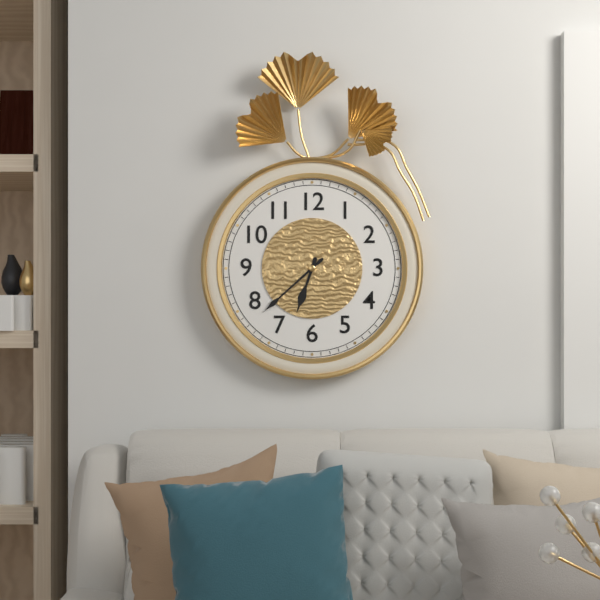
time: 6:38
